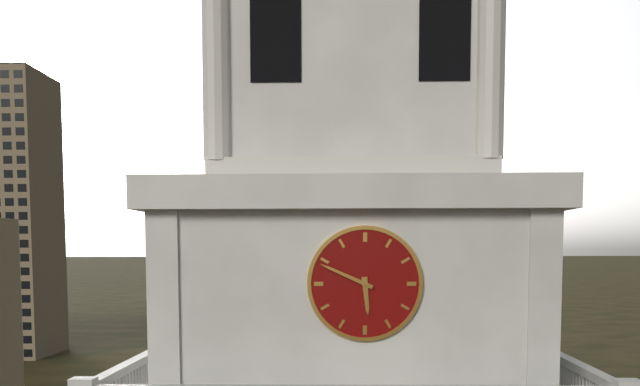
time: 5:49
